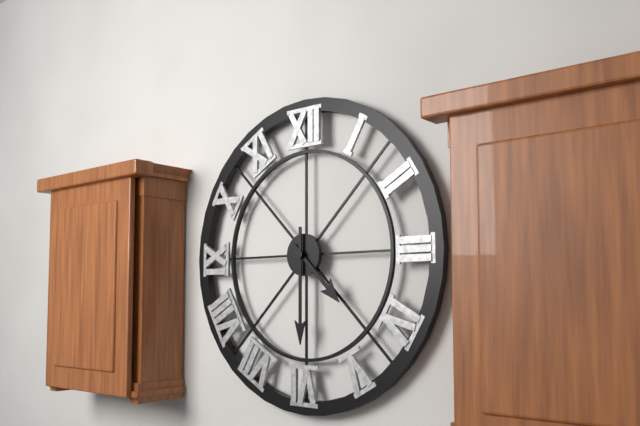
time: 4:30
